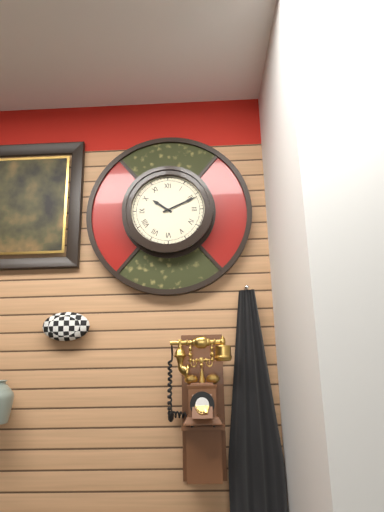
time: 10:11
